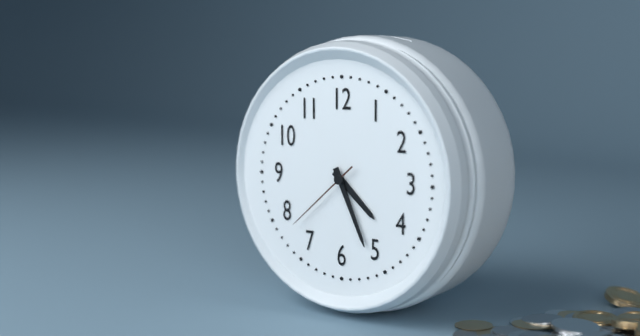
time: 4:26:38
